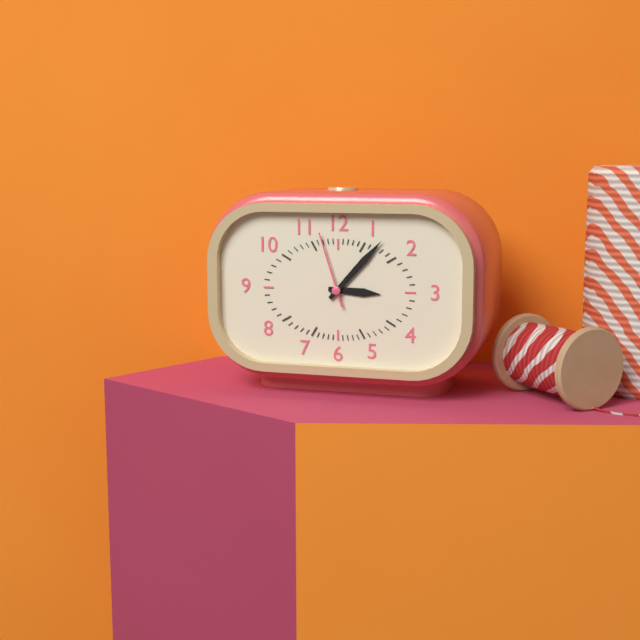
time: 3:07:57
